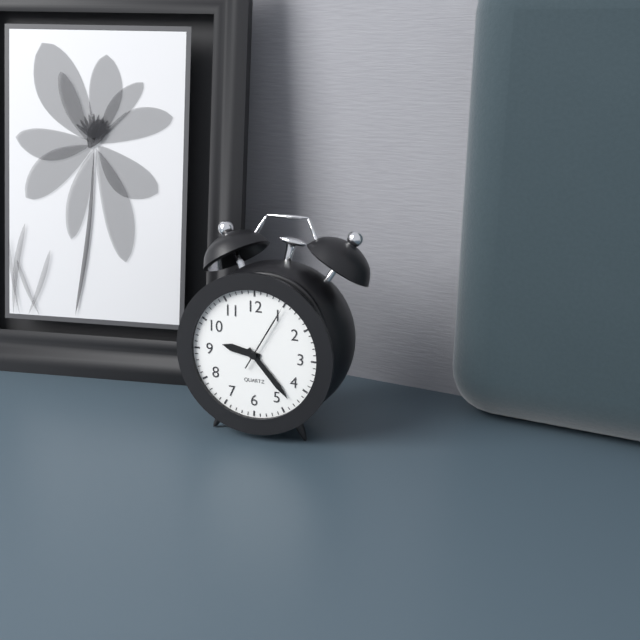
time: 9:23:05
